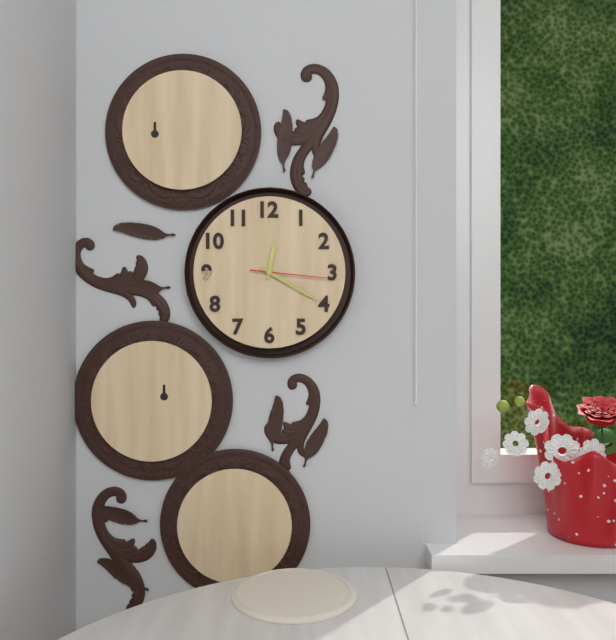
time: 12:20:16
